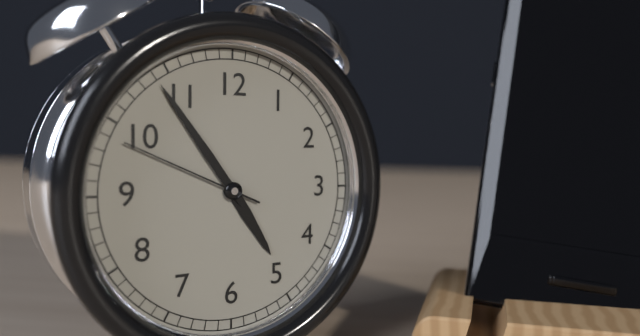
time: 4:54:49
